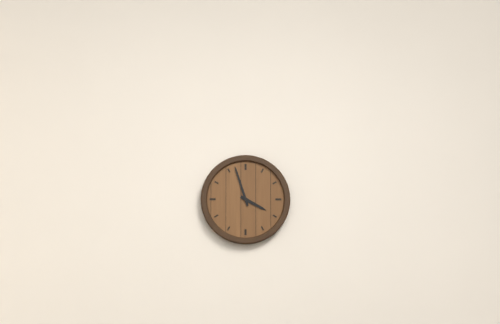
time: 3:57
